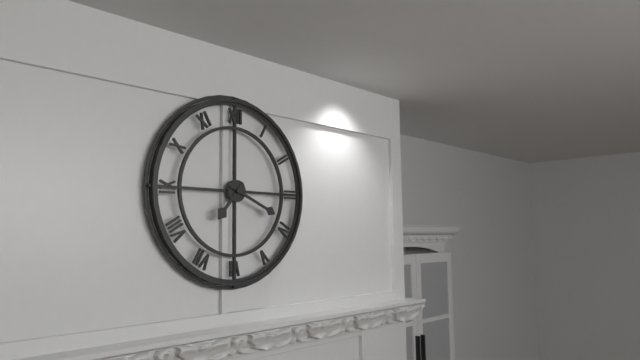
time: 7:19
